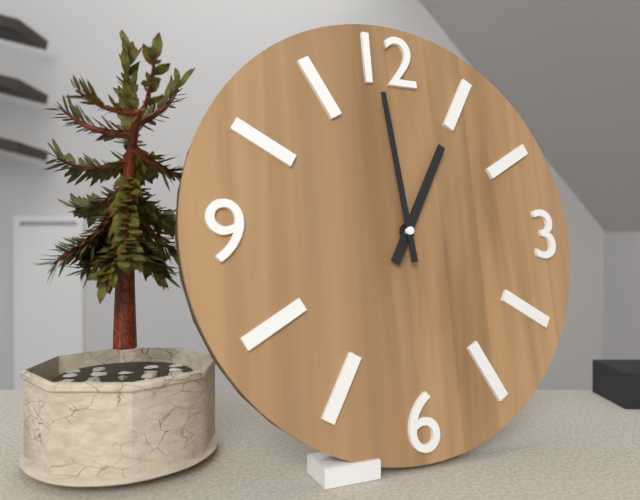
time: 12:59
